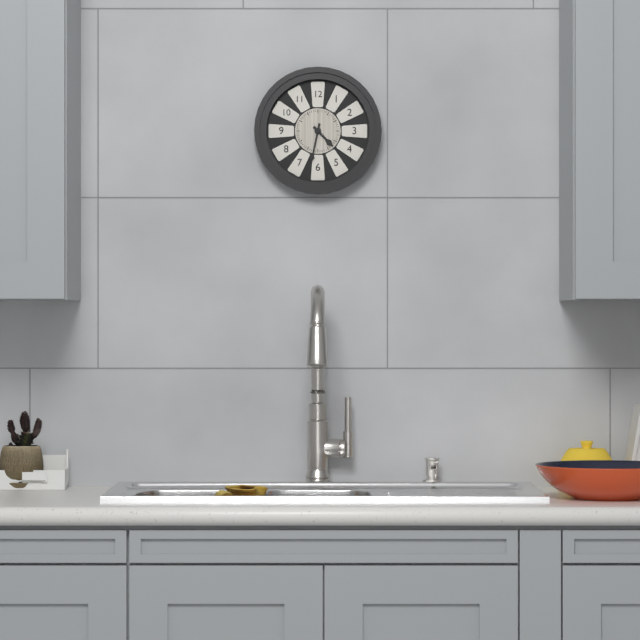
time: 4:32
